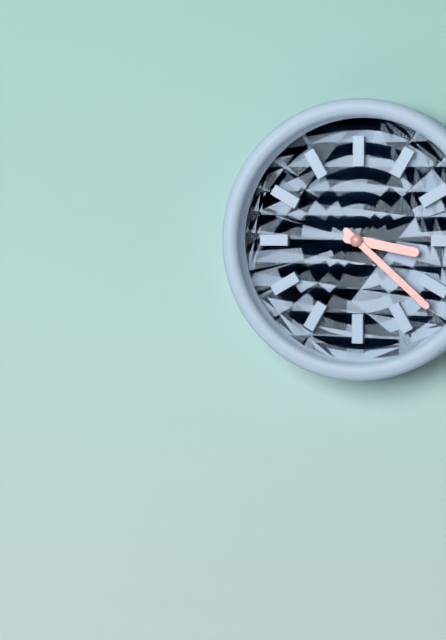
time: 3:22
